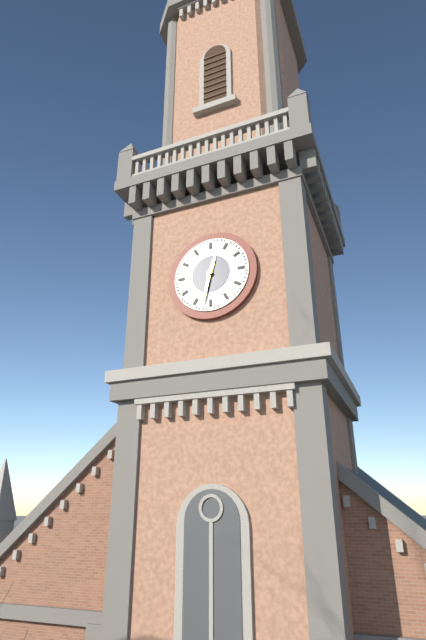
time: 12:32
